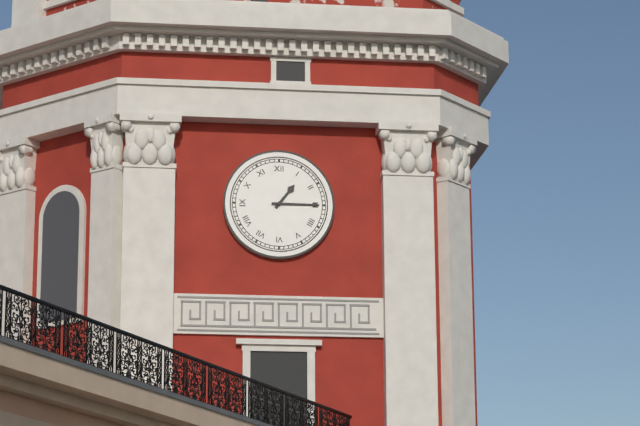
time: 1:15
